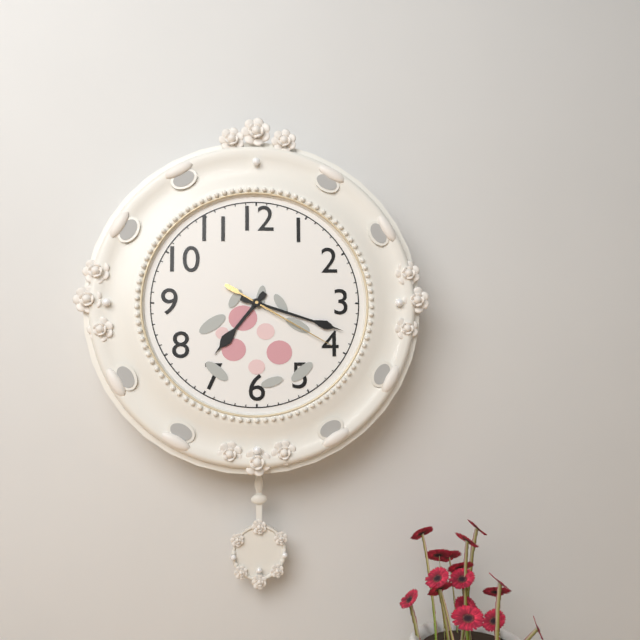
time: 7:18:20
